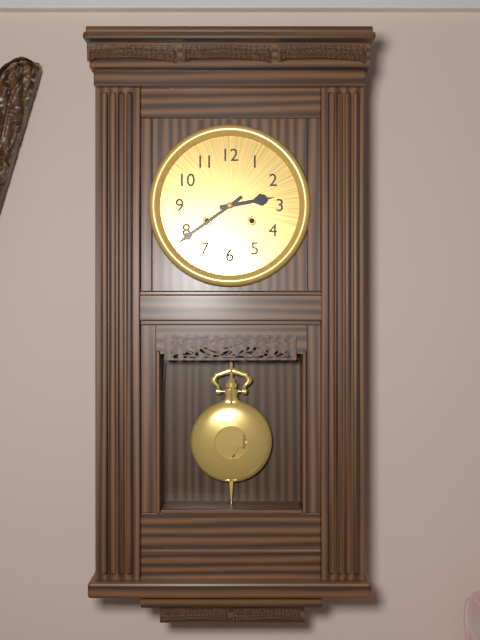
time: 2:39
